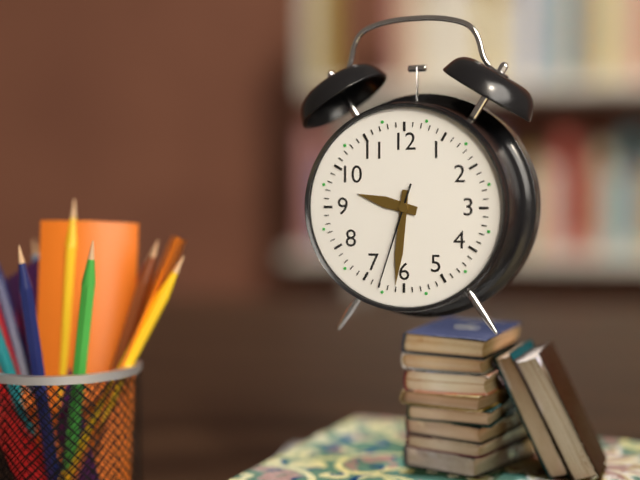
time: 9:31:33
